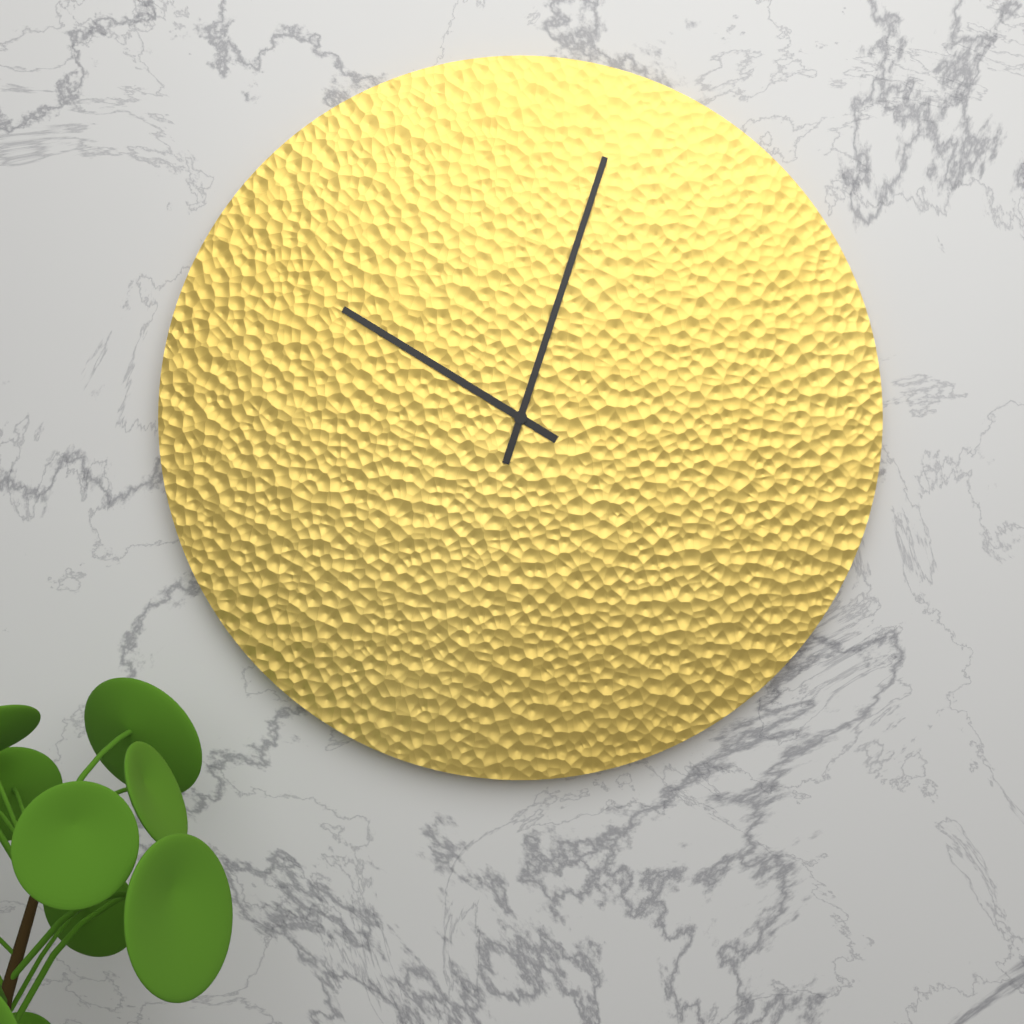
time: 10:03
